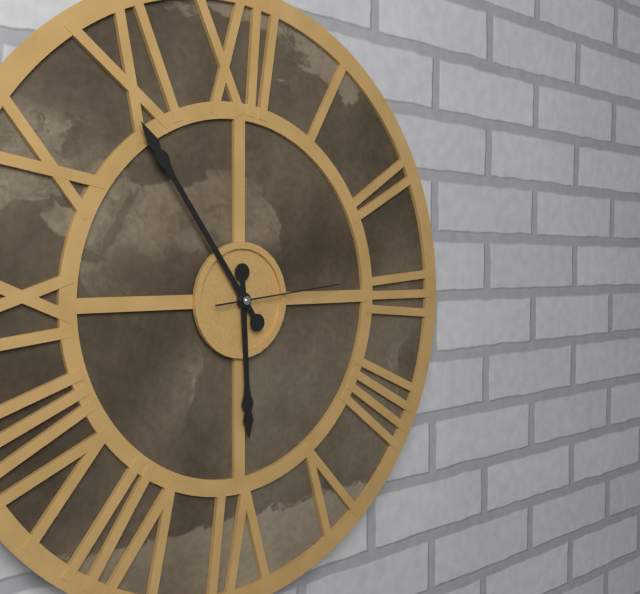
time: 5:54:14
